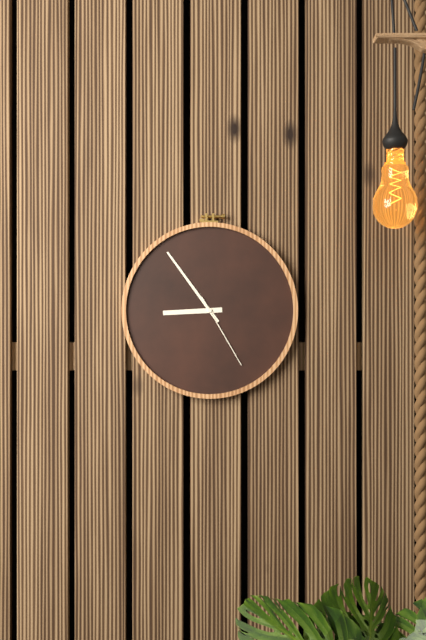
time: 8:54:25
